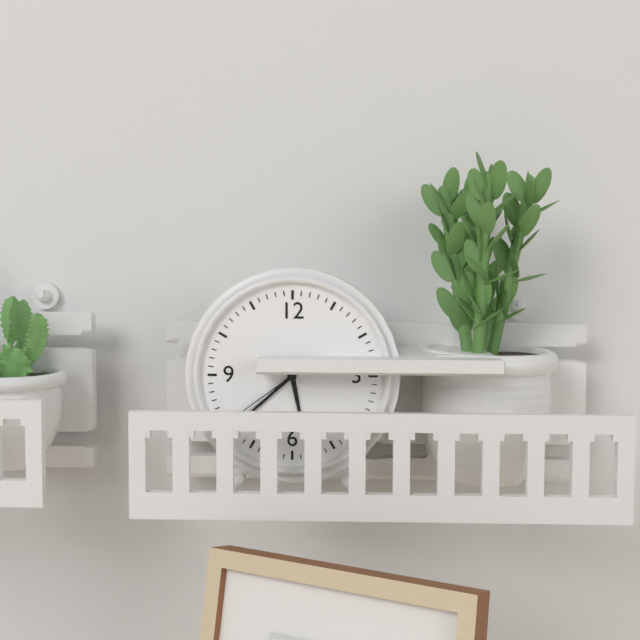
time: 5:38:39
